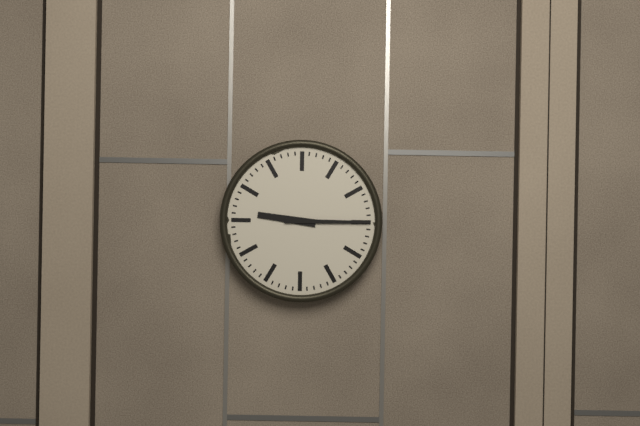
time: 9:15
